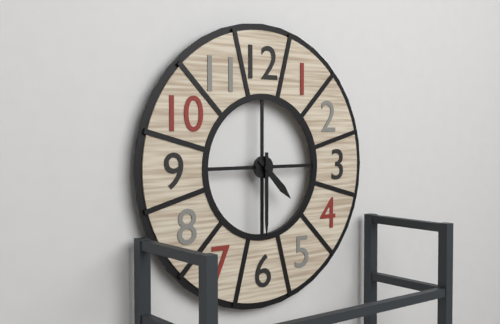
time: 4:30
